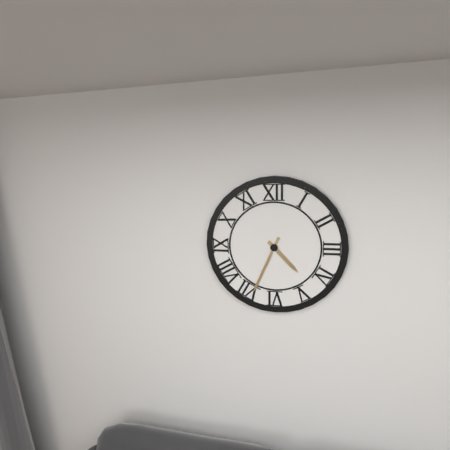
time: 4:34
